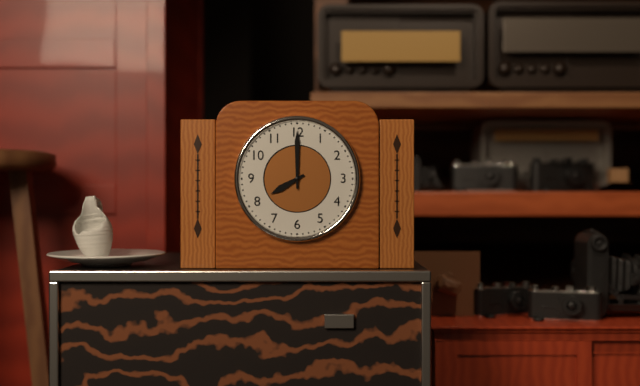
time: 8:00
